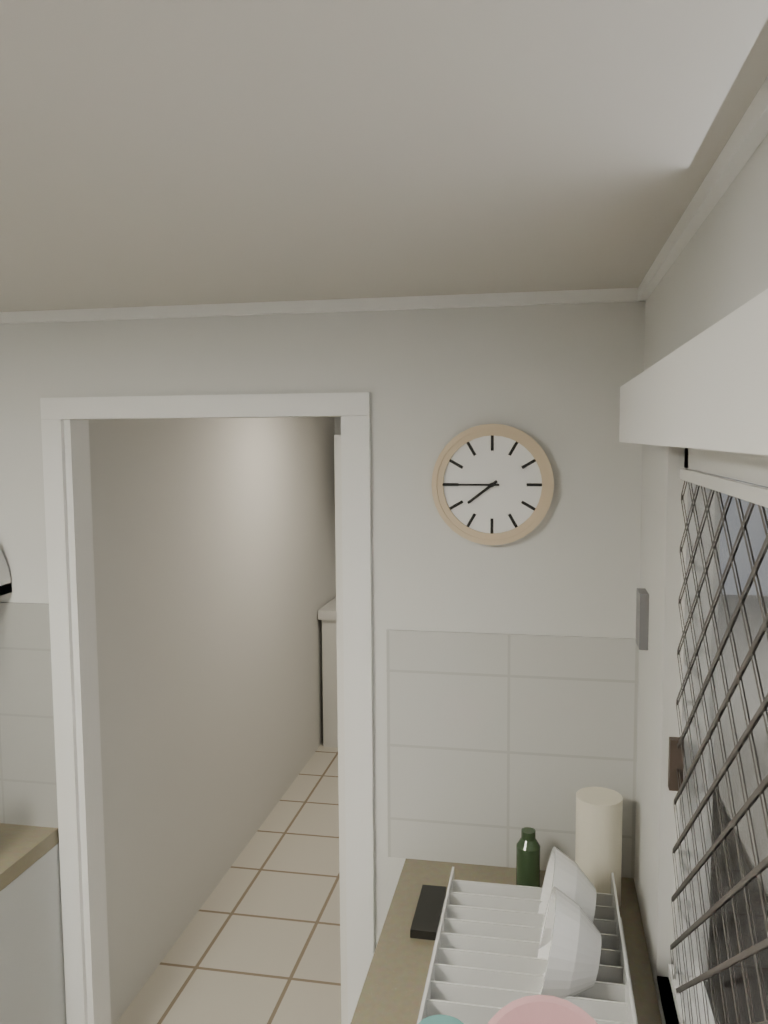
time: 7:45
